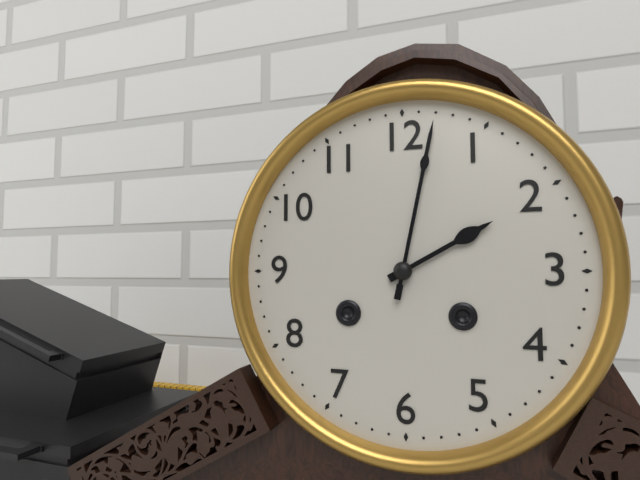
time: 2:02
